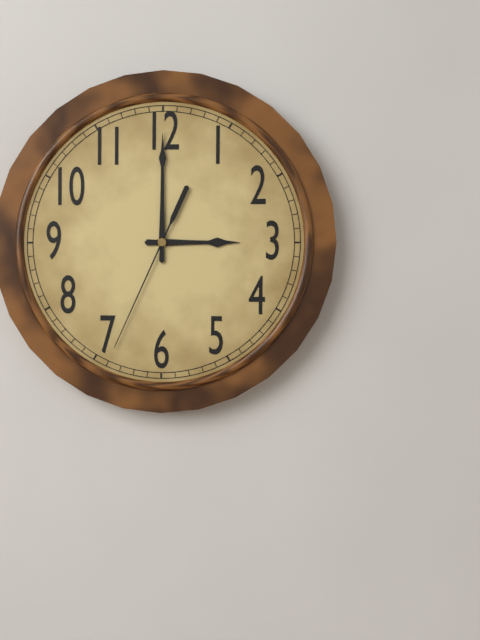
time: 3:00:34
